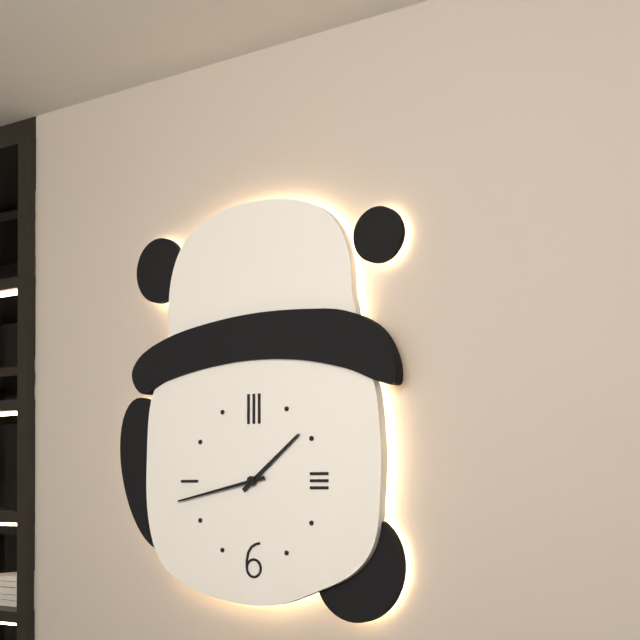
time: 1:43
